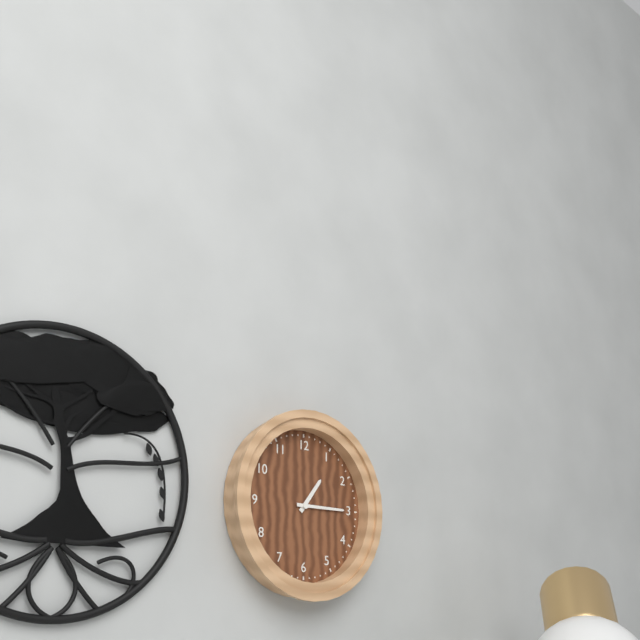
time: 1:15
